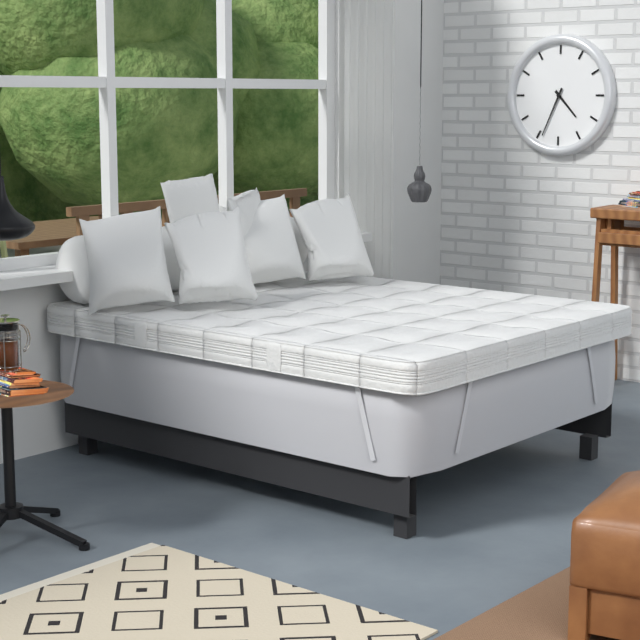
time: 4:34
